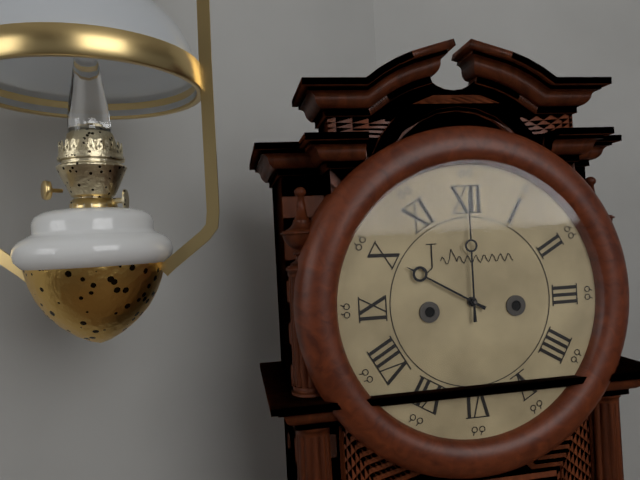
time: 10:00
